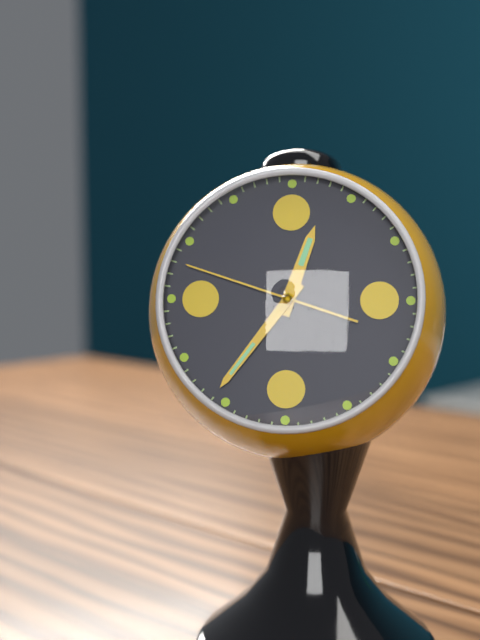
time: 12:36:48
